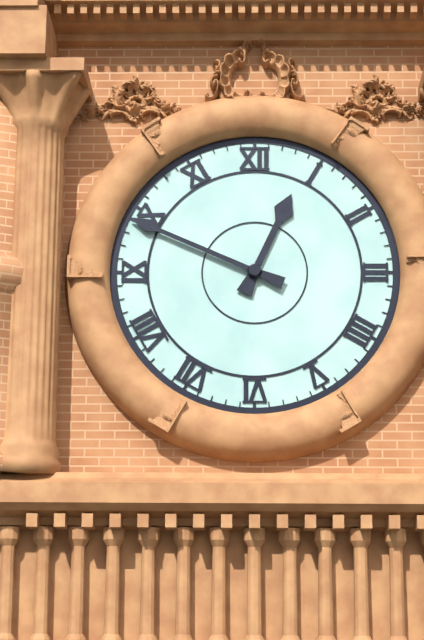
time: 12:49
